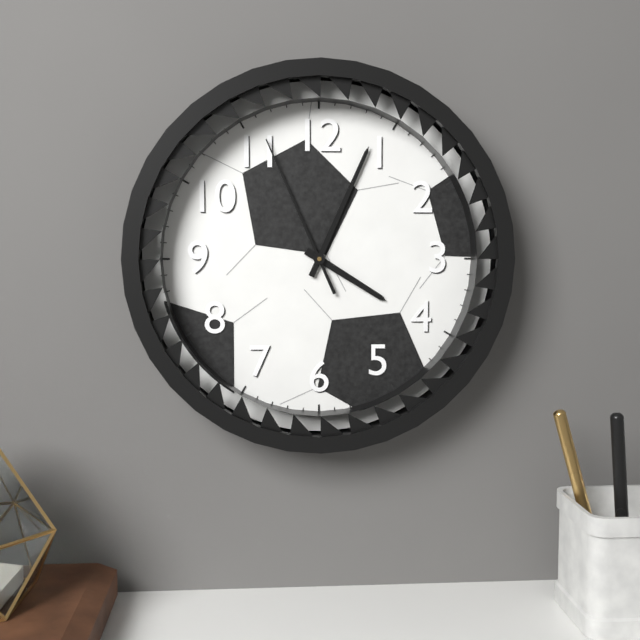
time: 4:04:56
